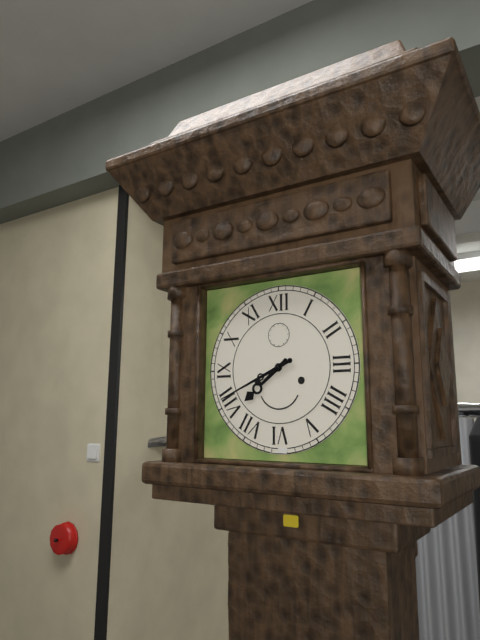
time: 7:41
